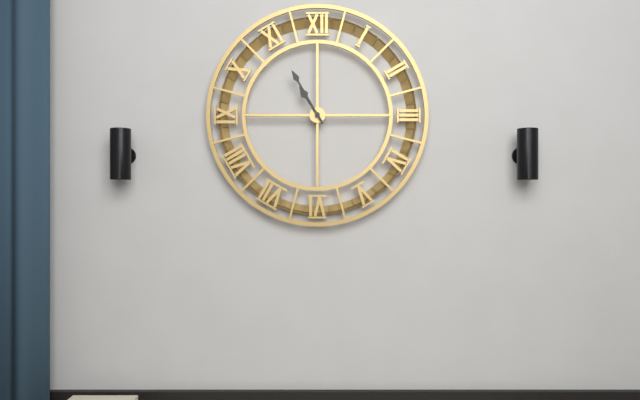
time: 10:55
